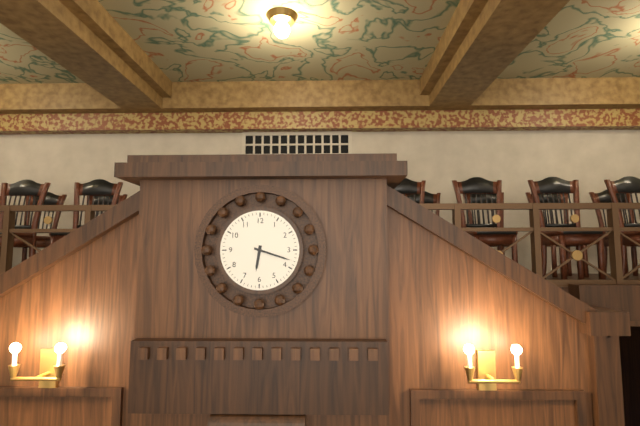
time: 6:18
